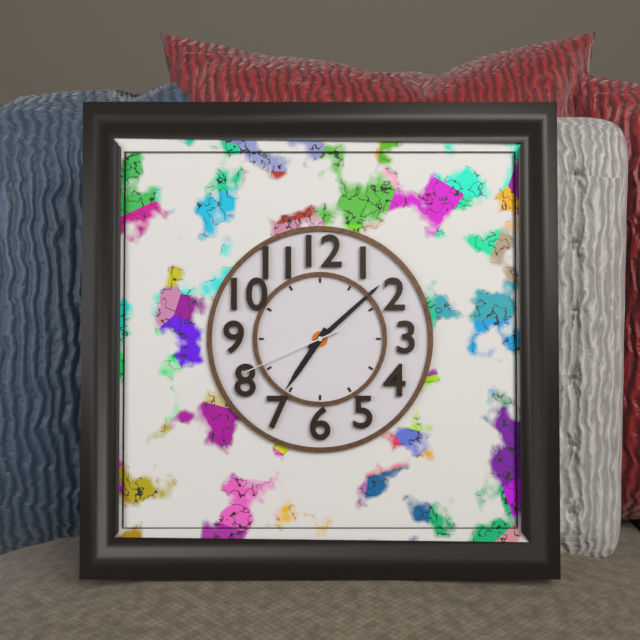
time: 7:08:41
